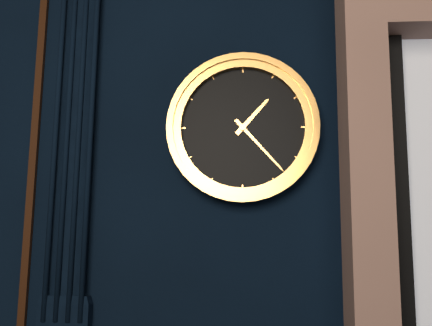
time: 1:23
